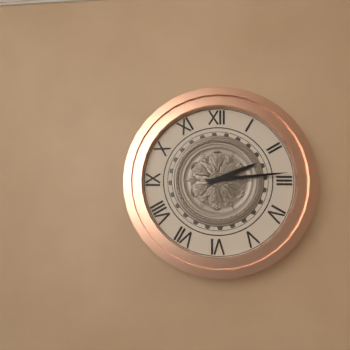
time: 2:14
